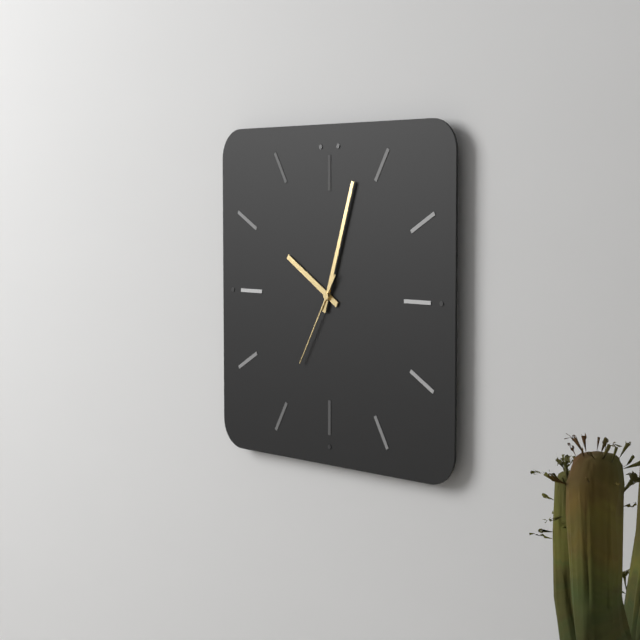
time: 10:03:35
